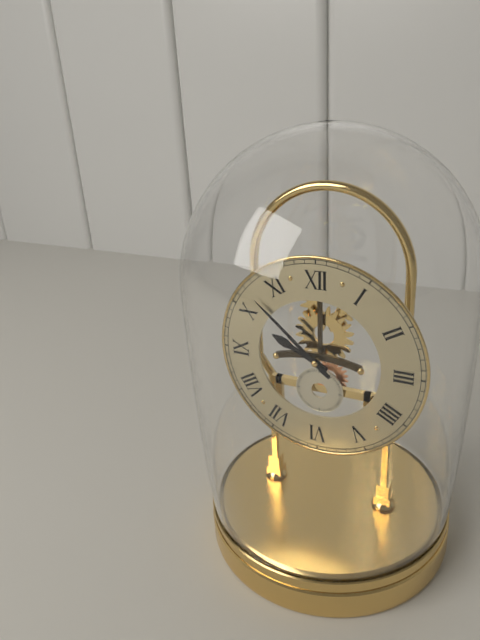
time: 9:52
